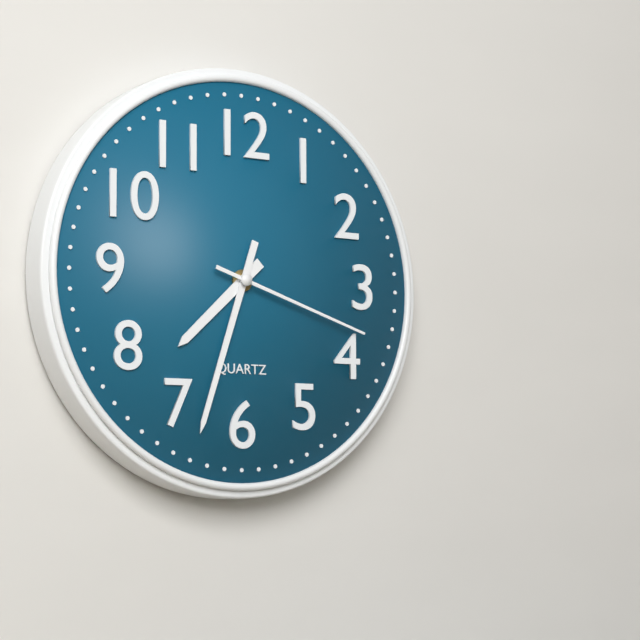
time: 7:33:18
